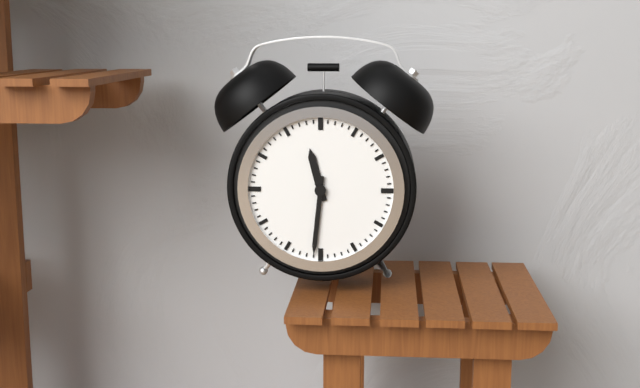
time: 11:31
